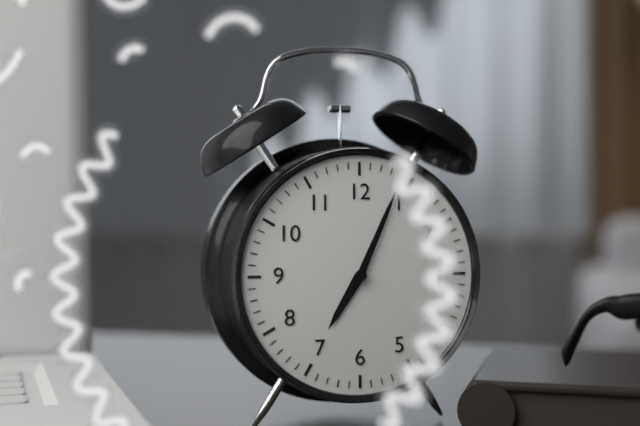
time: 7:04
